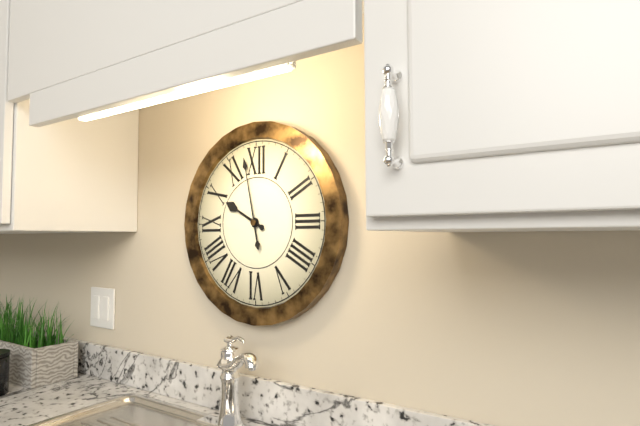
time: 9:58
